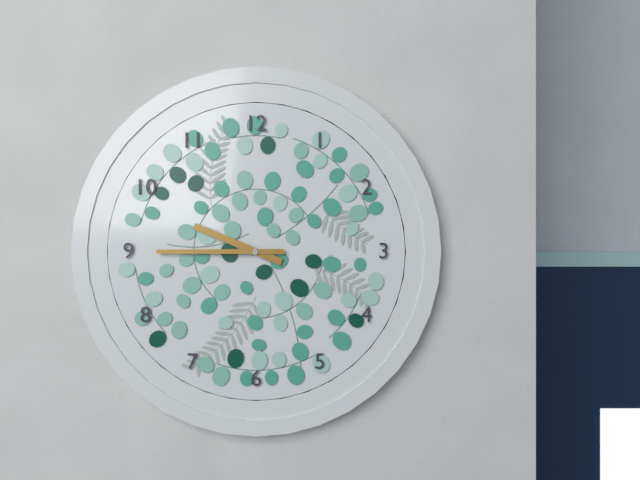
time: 9:45
